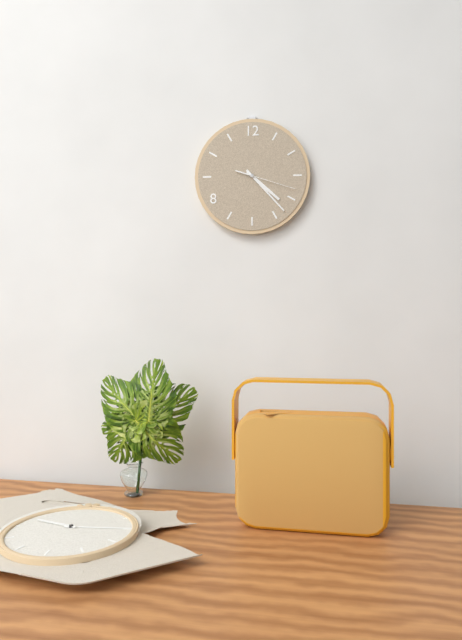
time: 4:23:18
